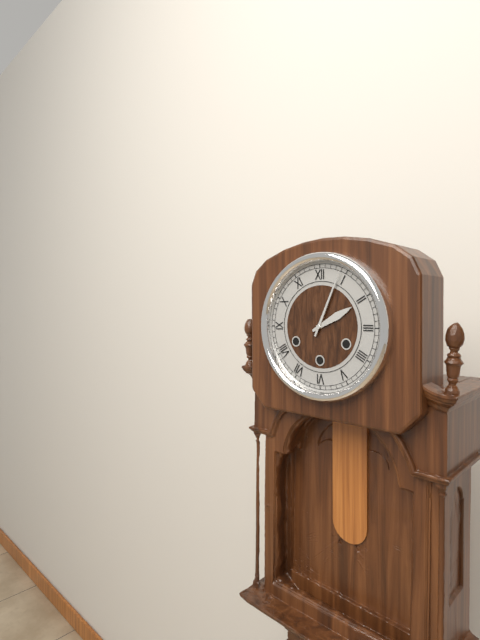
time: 2:04
